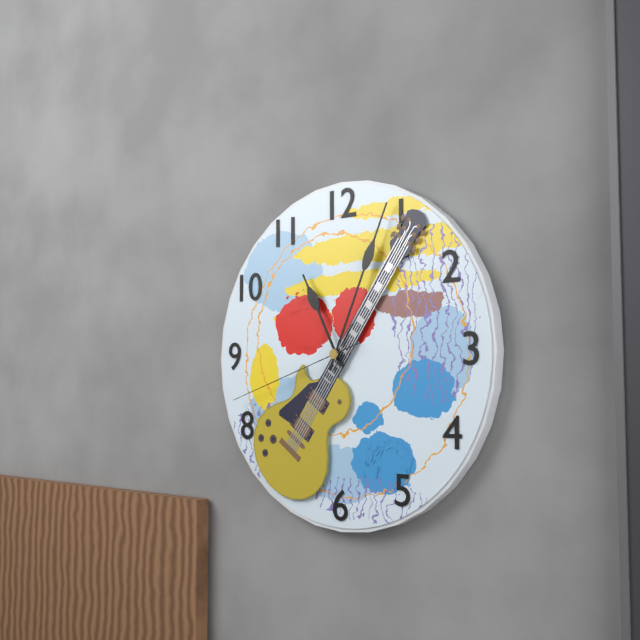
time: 11:04:42
